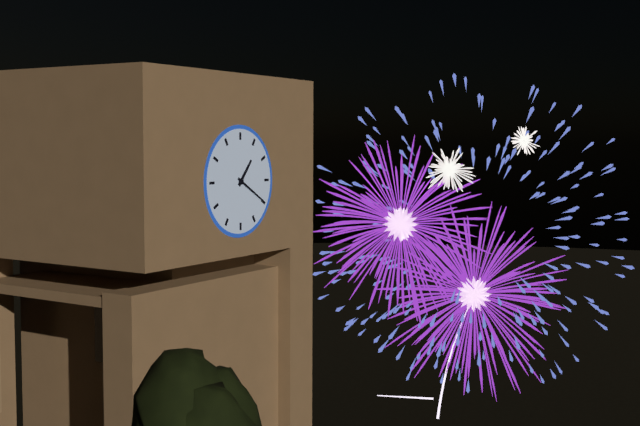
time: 1:20
